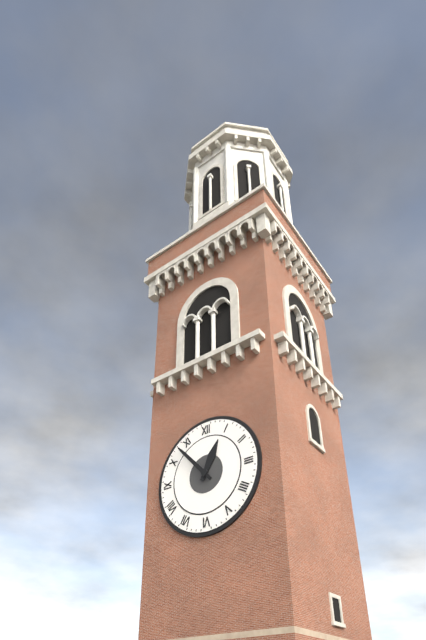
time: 12:53
